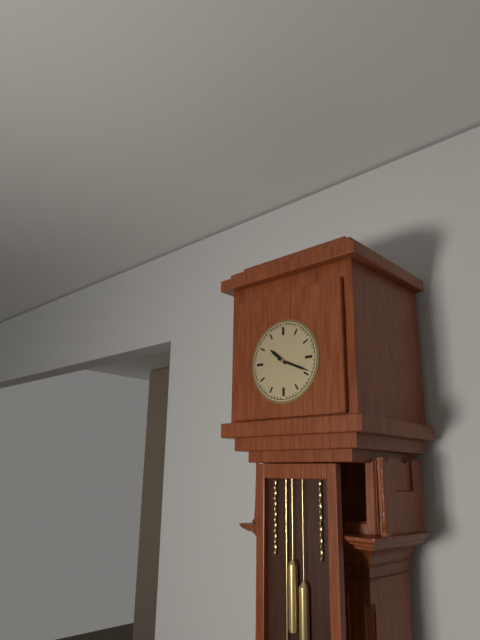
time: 10:19
